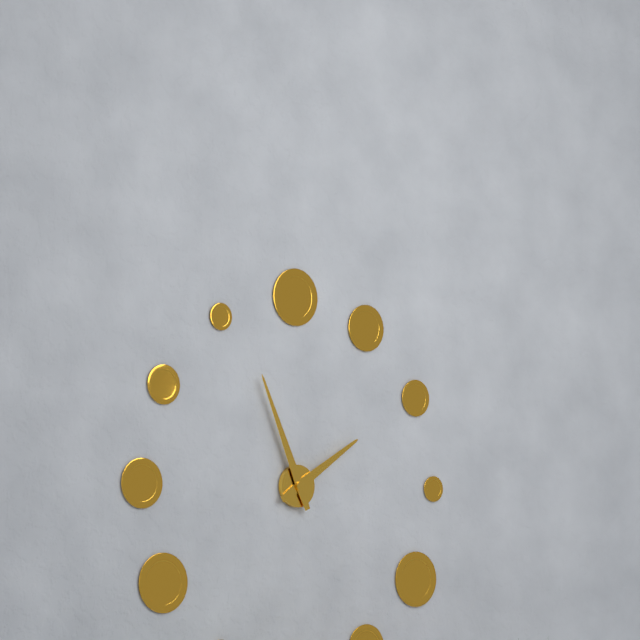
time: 1:56
